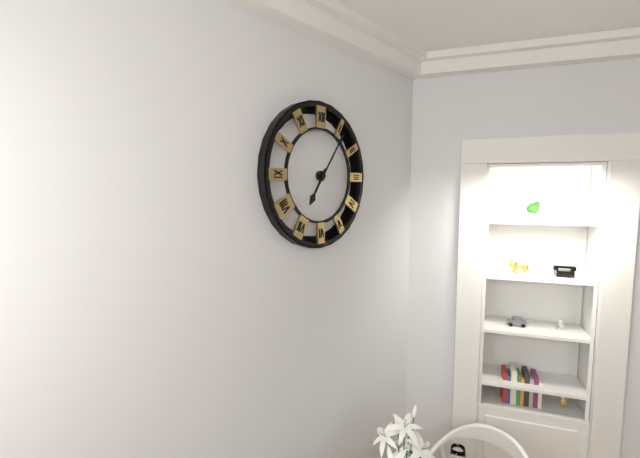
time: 7:06
